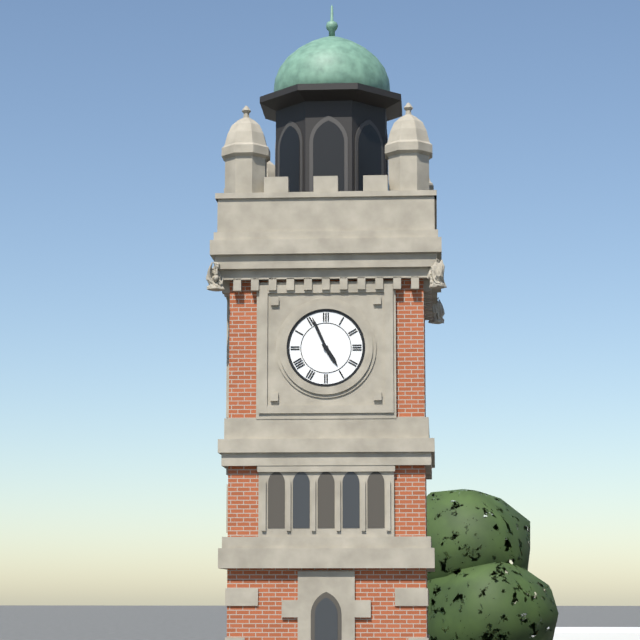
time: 4:56
